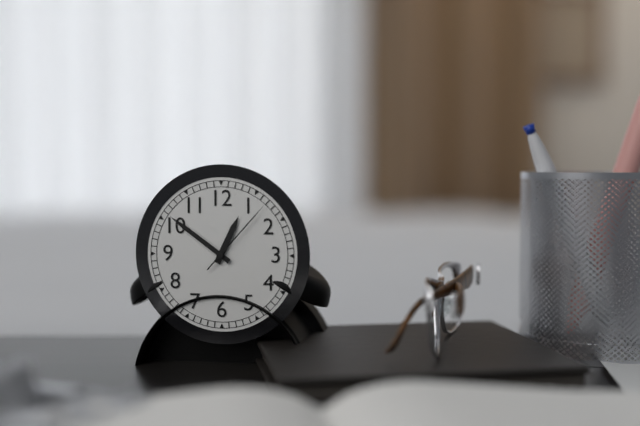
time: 12:51:07
